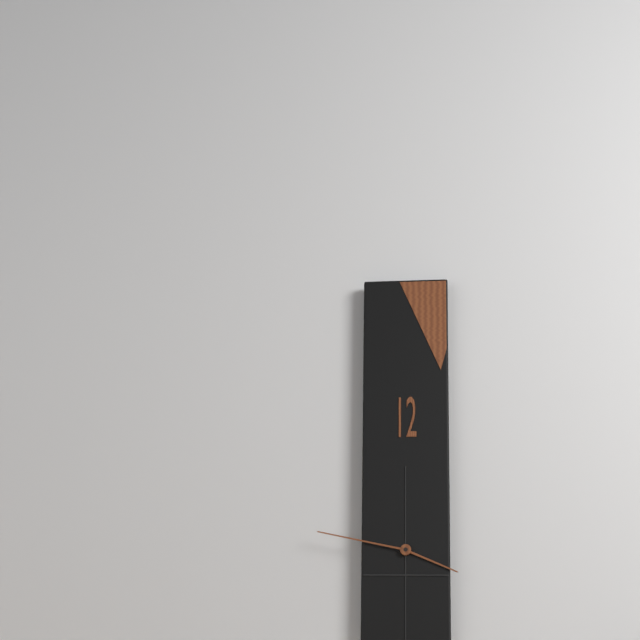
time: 3:47
